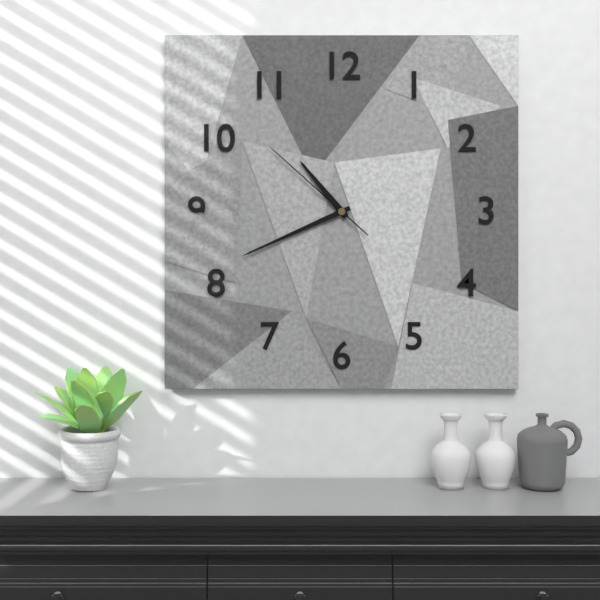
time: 10:41:52
